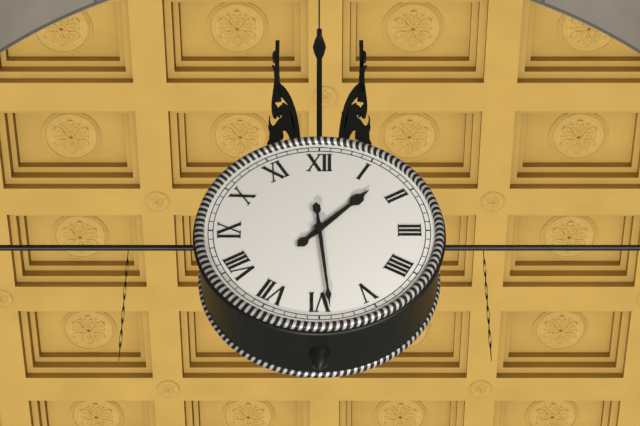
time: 1:29
